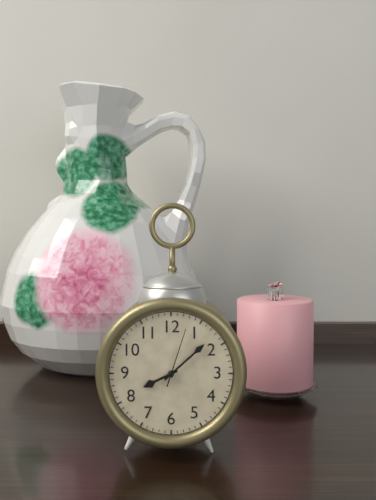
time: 8:08:03
